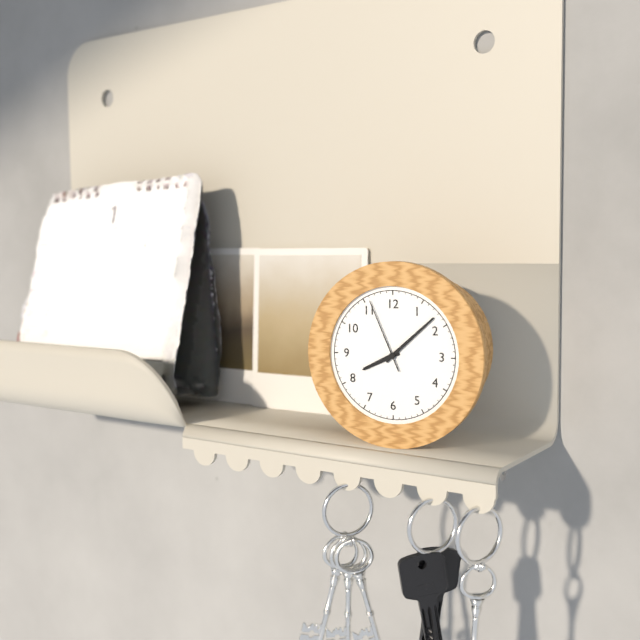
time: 8:08:56
